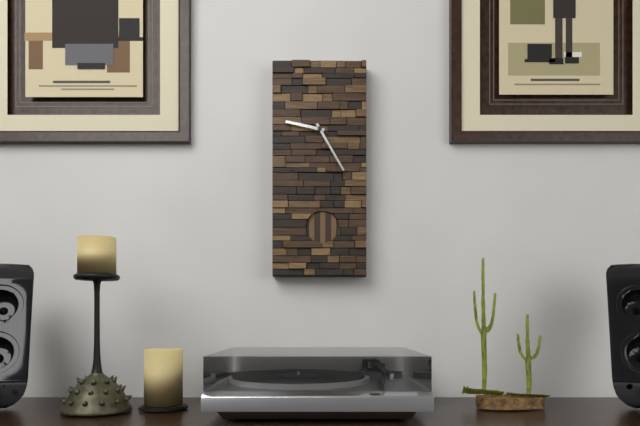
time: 9:25
